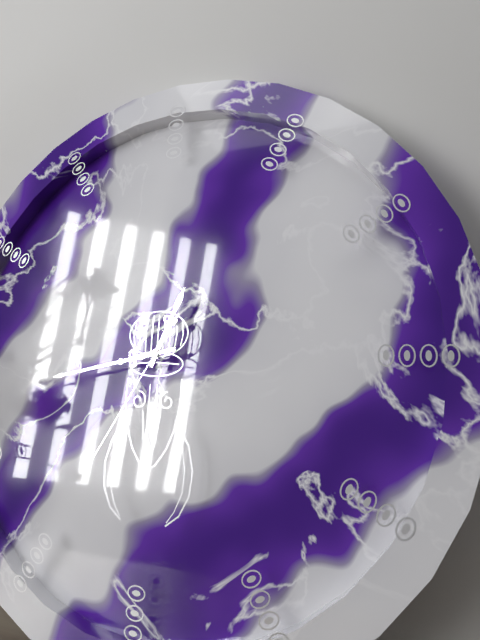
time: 12:43:35
